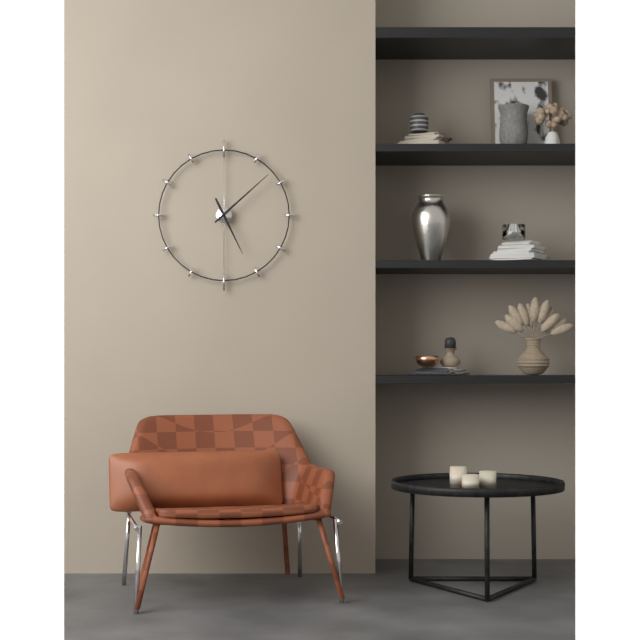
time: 5:08
